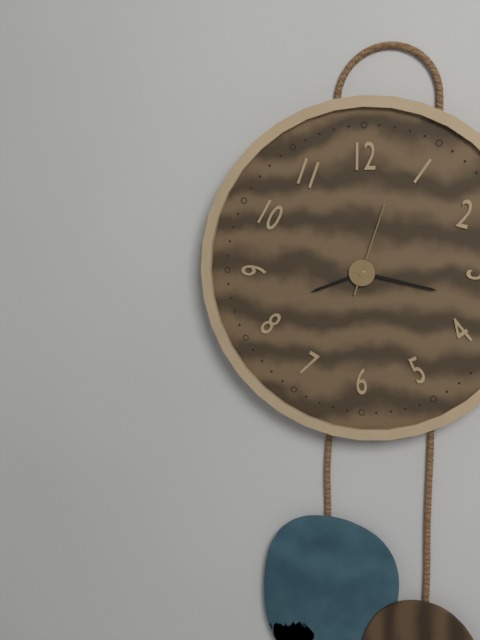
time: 8:17:03
